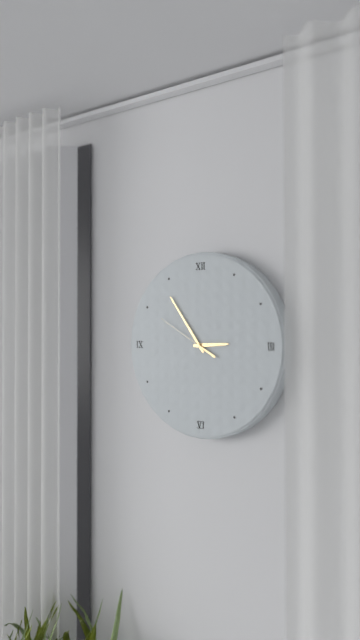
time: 2:54:50
